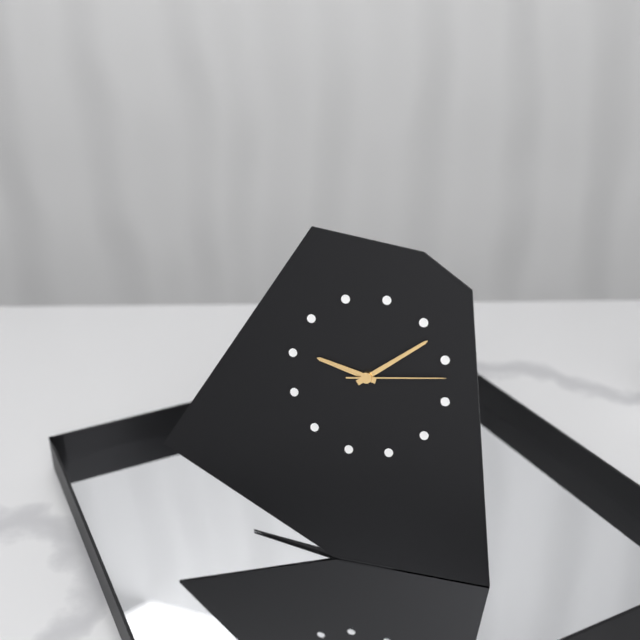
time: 9:07:12
